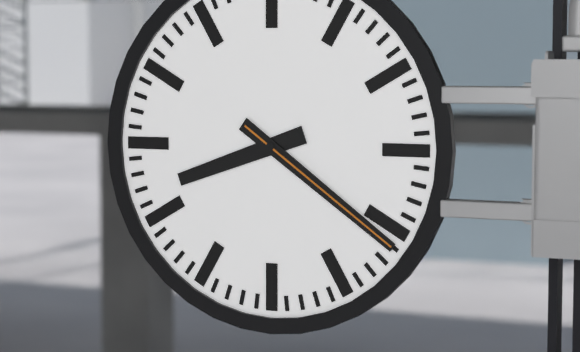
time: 8:21:21
